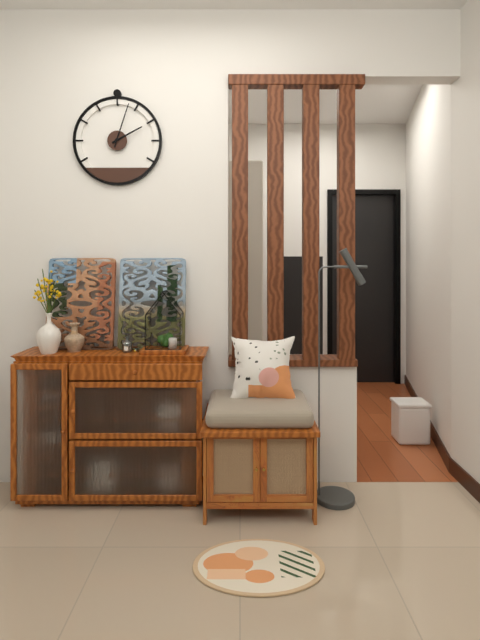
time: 2:03
